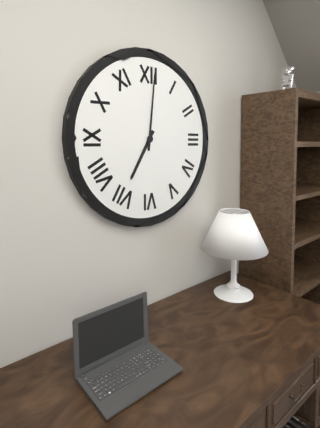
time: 7:01
